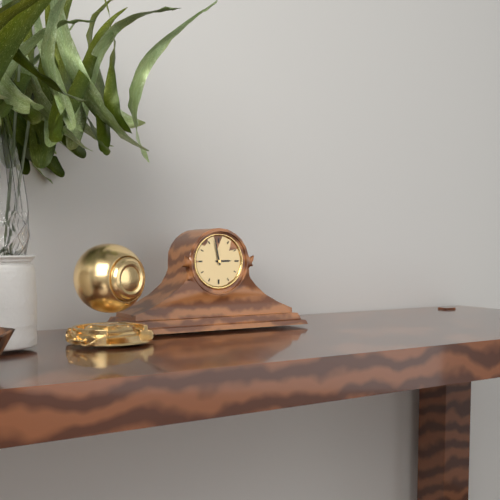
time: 2:58
